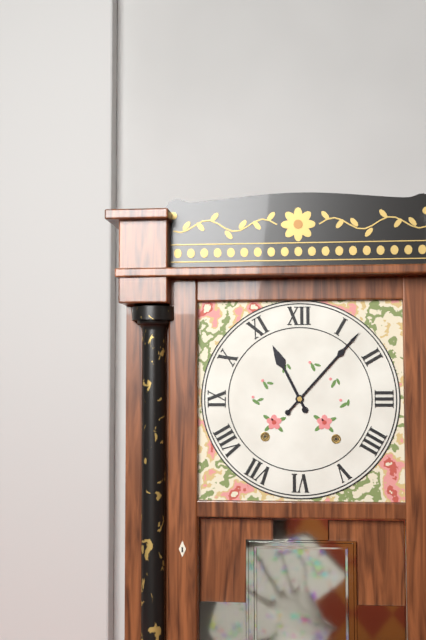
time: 11:07
